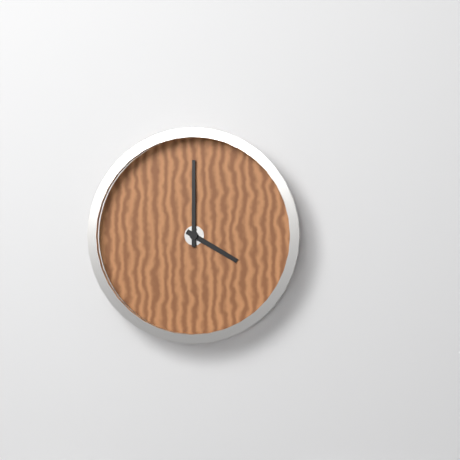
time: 4:00
